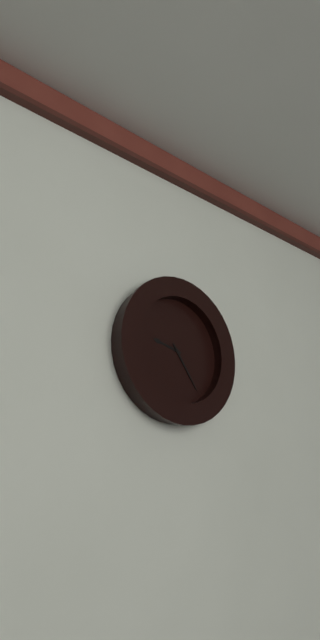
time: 9:24
